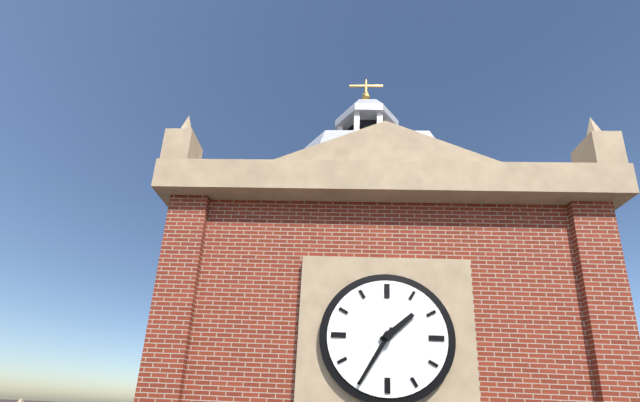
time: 1:35
